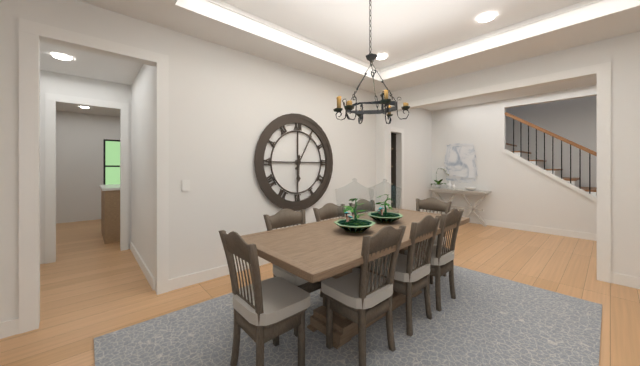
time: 6:05
